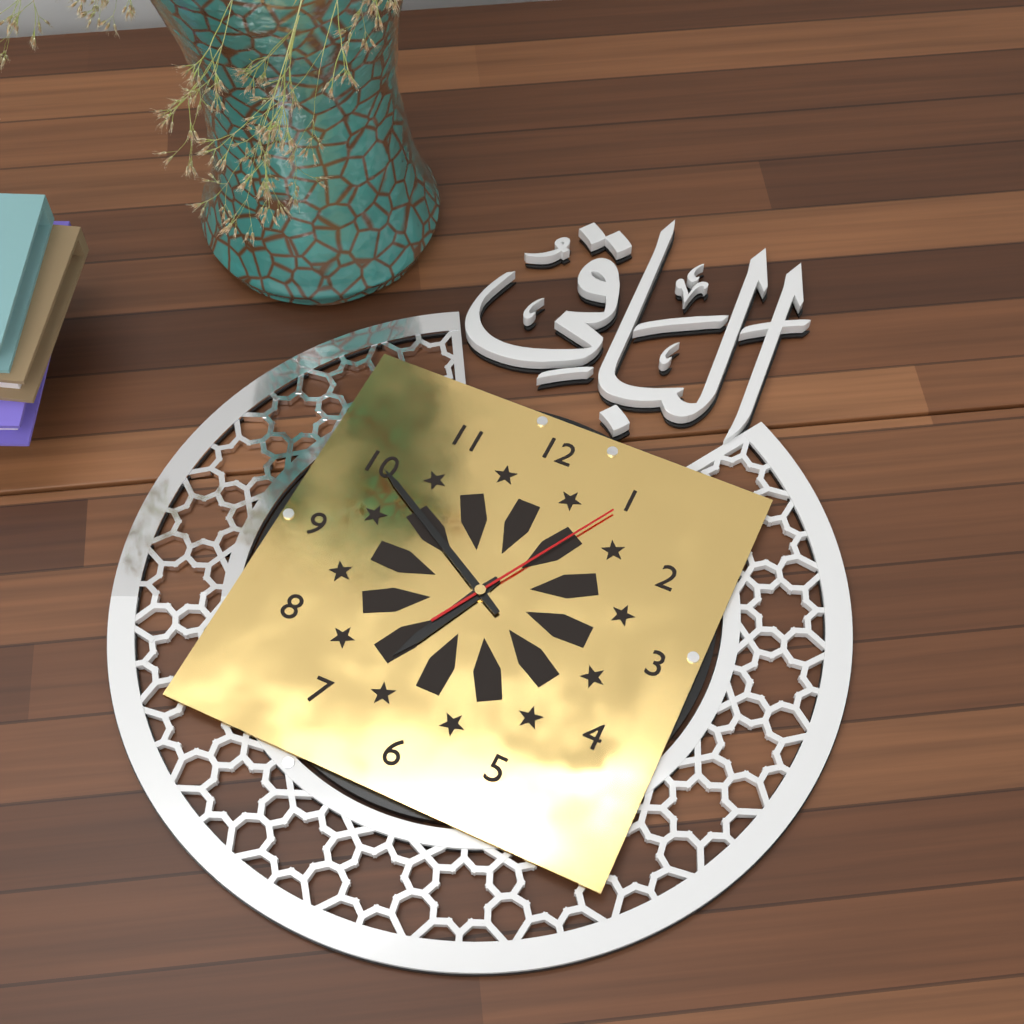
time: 6:50:05
